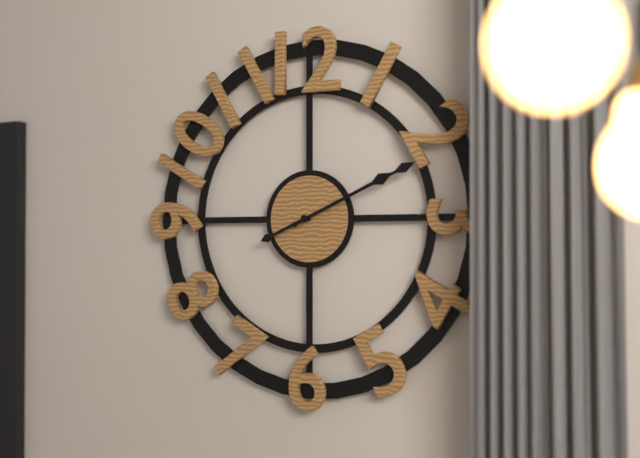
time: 2:11
